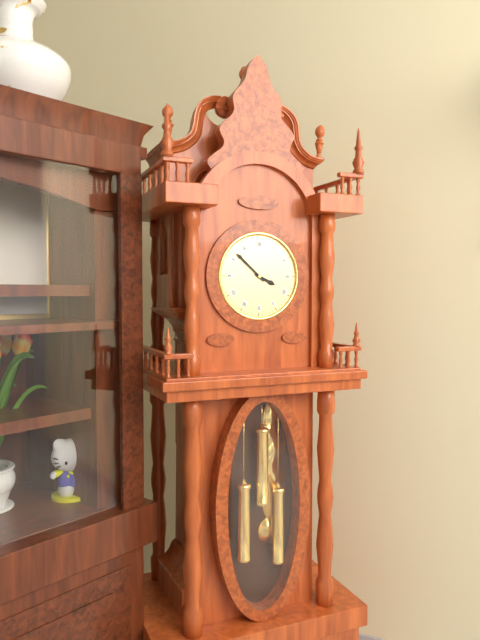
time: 3:52
